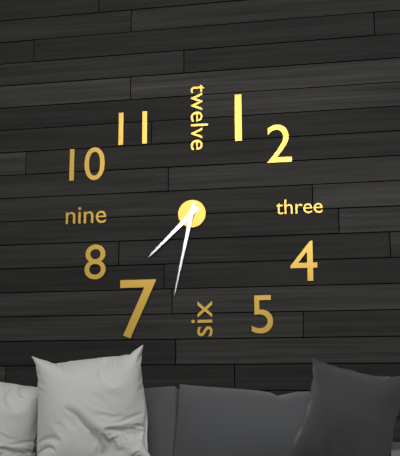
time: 7:32
